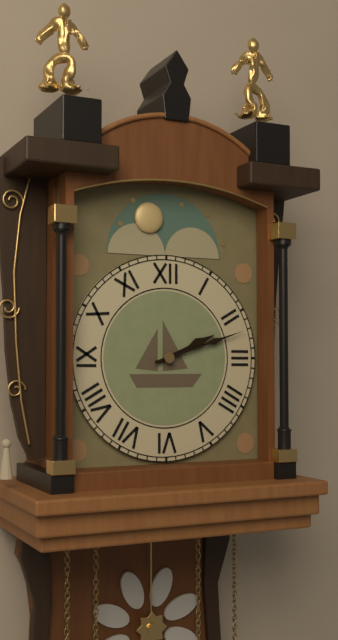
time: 2:12
